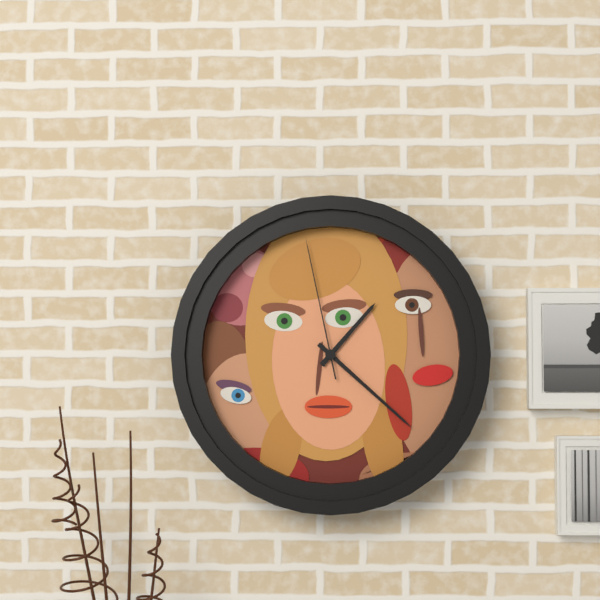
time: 1:22:58
